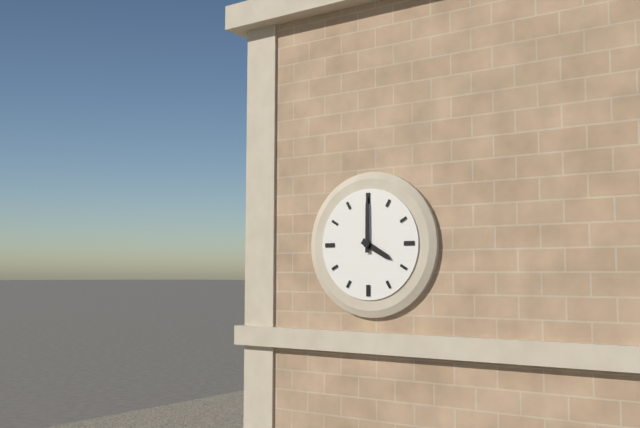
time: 4:00
